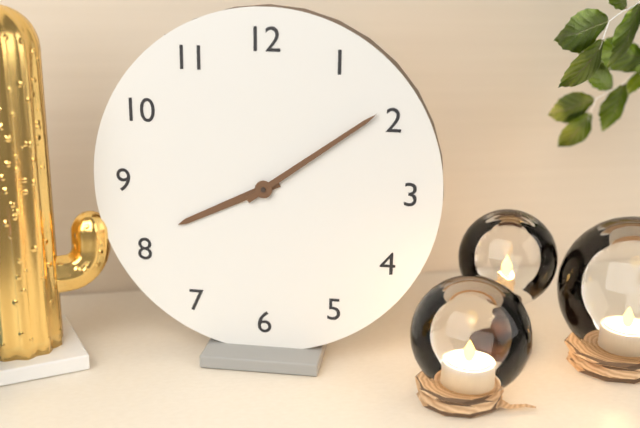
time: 8:09
